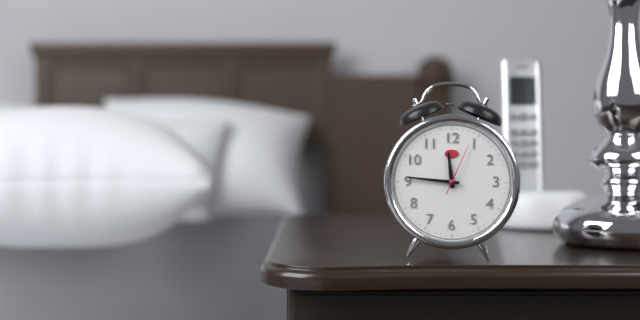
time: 11:46:04
